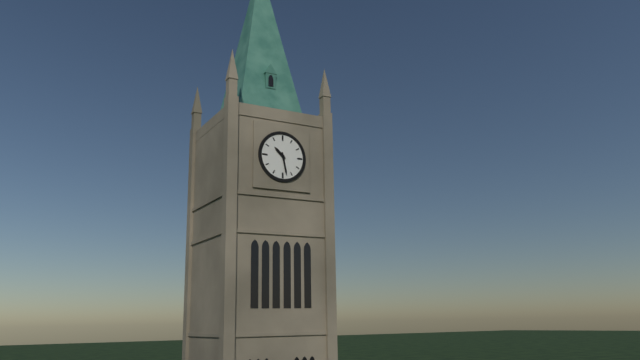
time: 10:28
